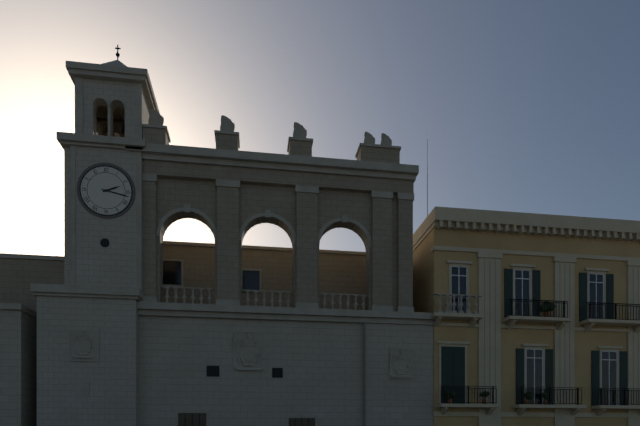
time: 2:17
